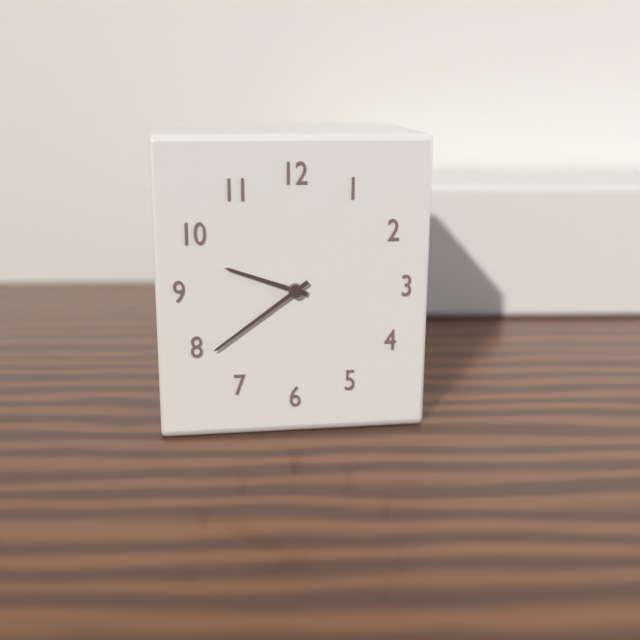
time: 9:39
